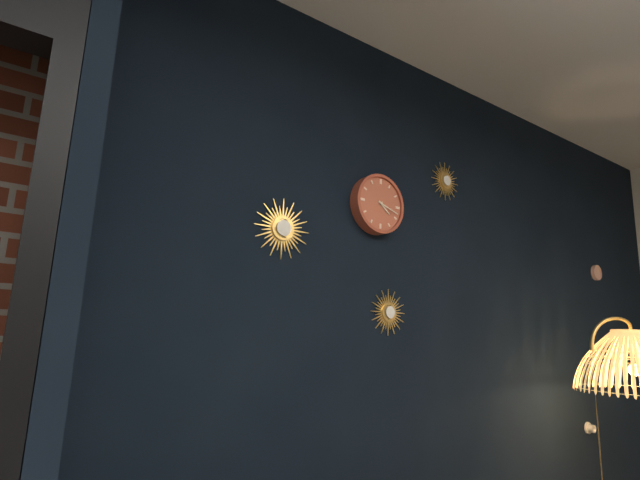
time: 4:18
